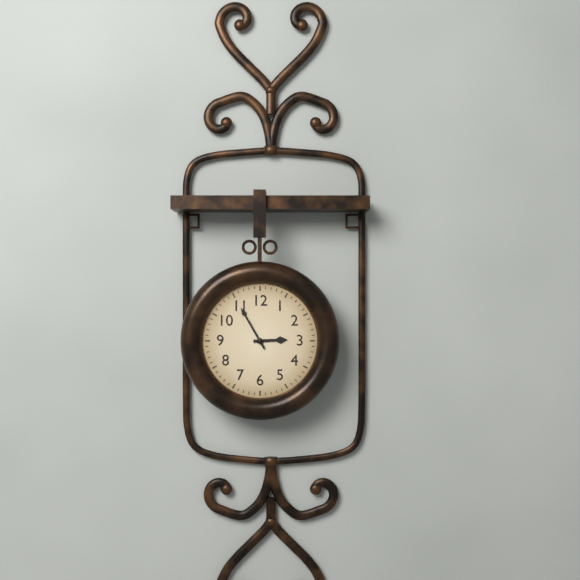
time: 2:55
